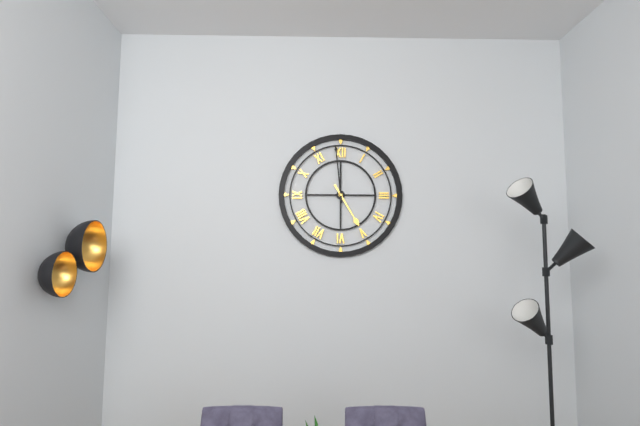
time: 4:59
